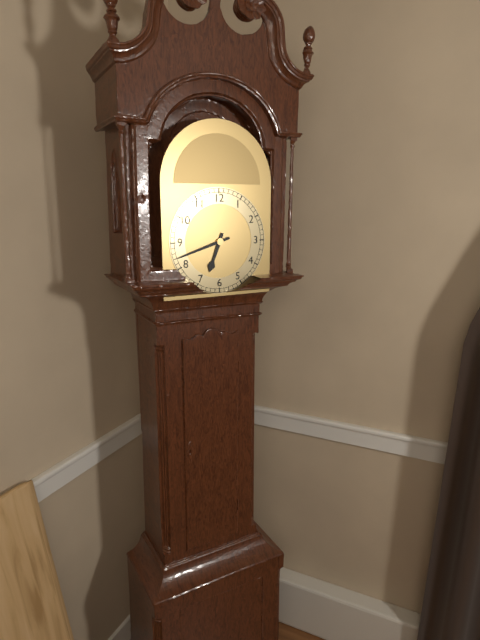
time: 6:42
